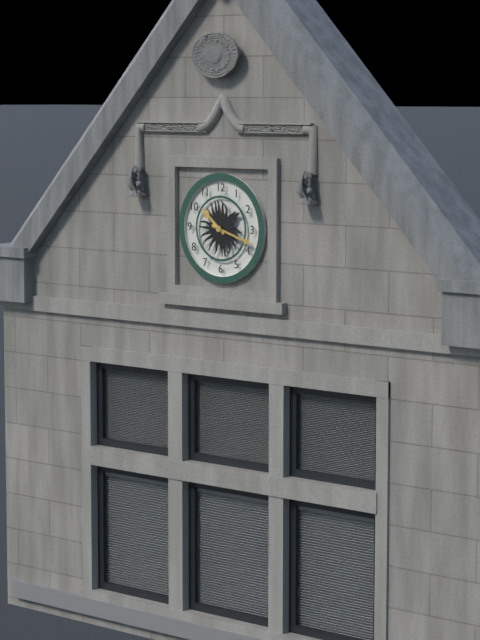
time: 10:18
